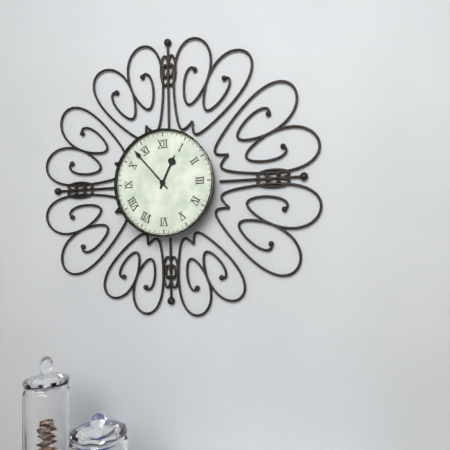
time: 12:53
